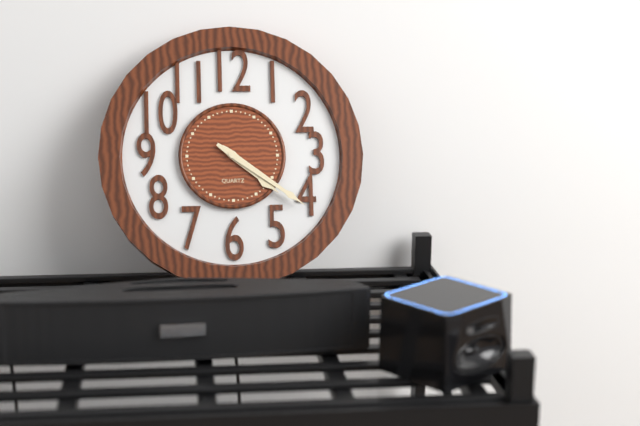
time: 4:21
